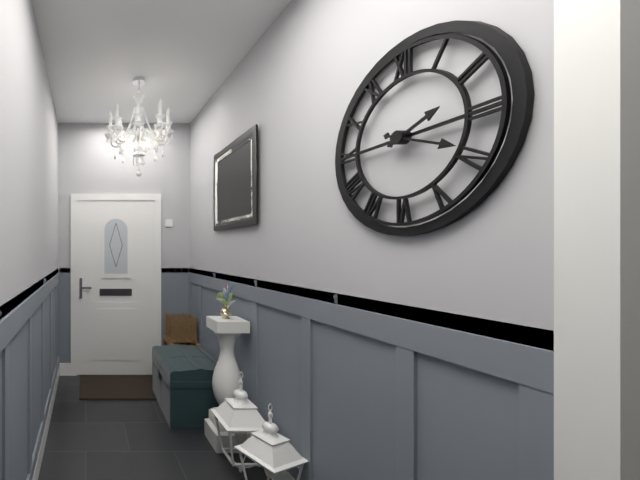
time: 2:19
